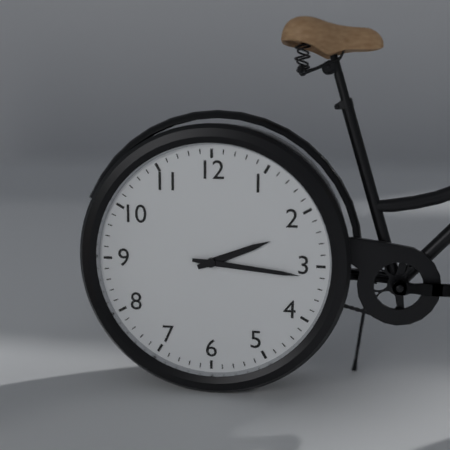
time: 2:16
